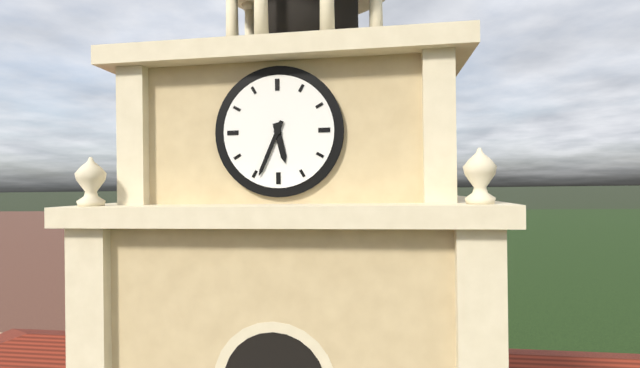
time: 5:34
